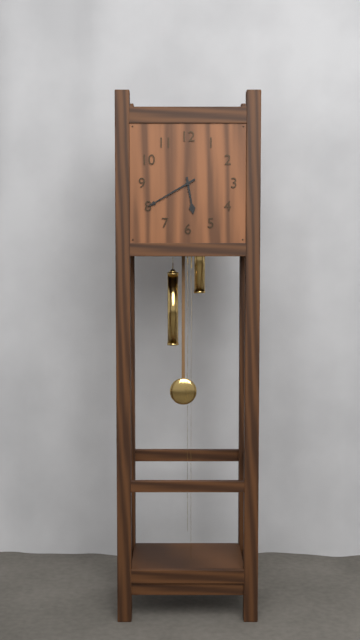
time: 5:40
